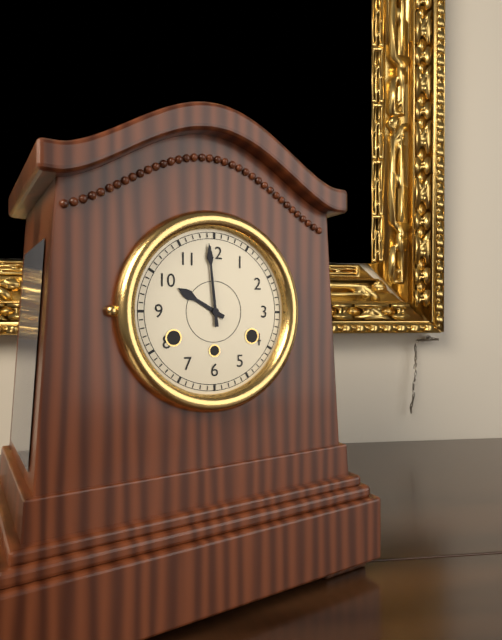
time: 9:59
